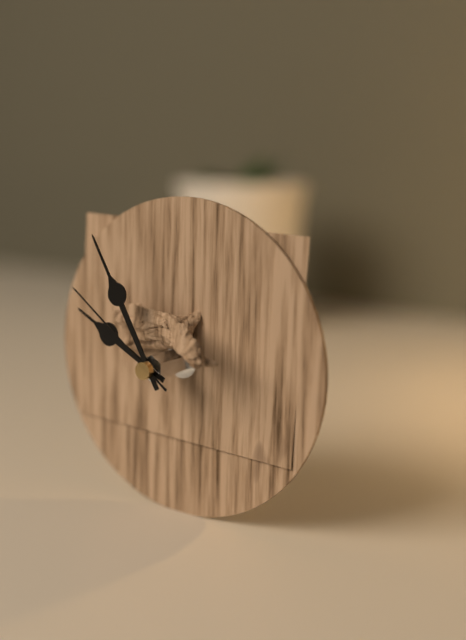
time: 9:55:51
